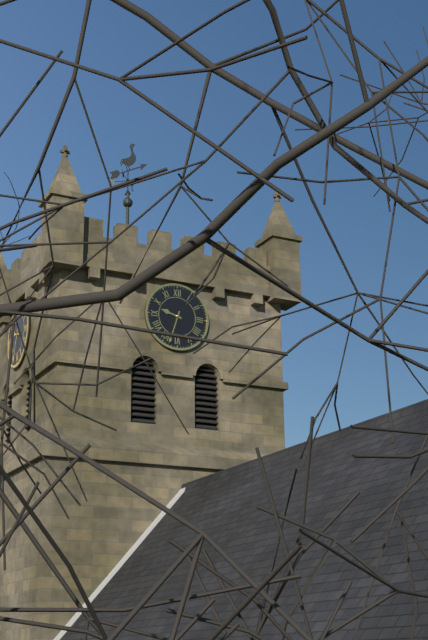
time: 9:33
